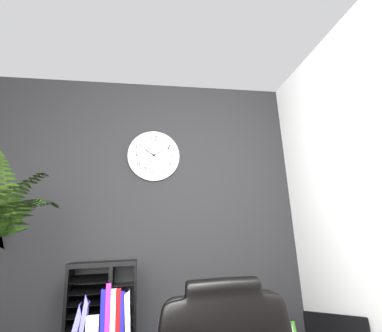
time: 10:10
